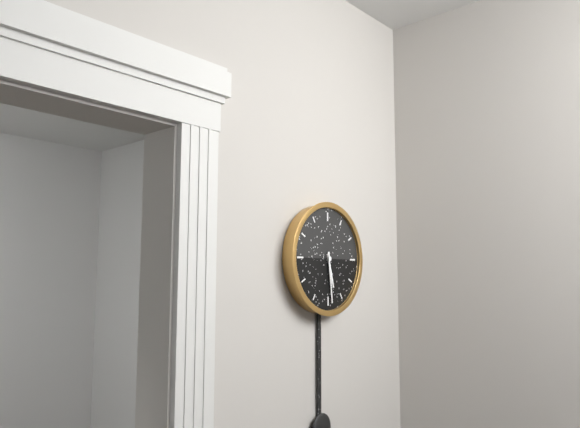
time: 5:29
